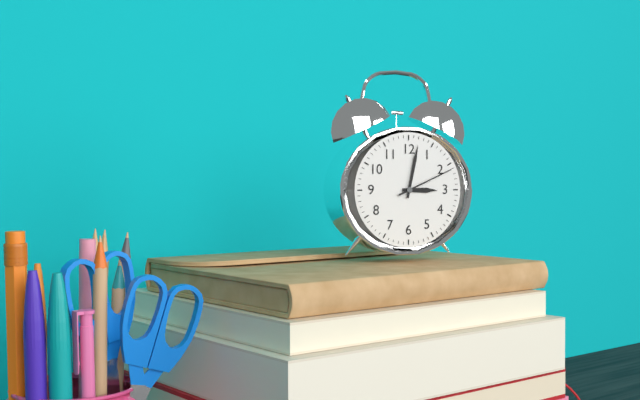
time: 3:02:11
